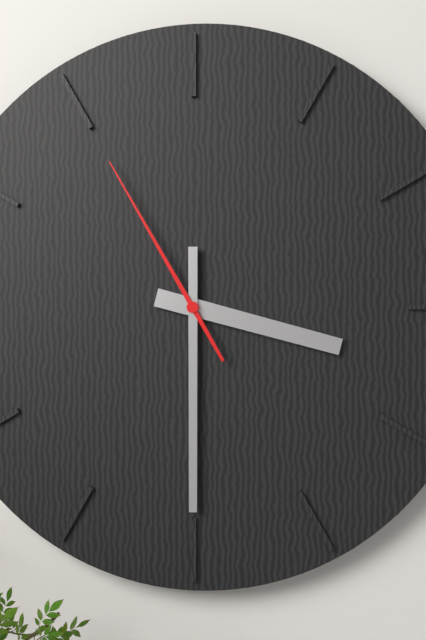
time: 3:30:55
